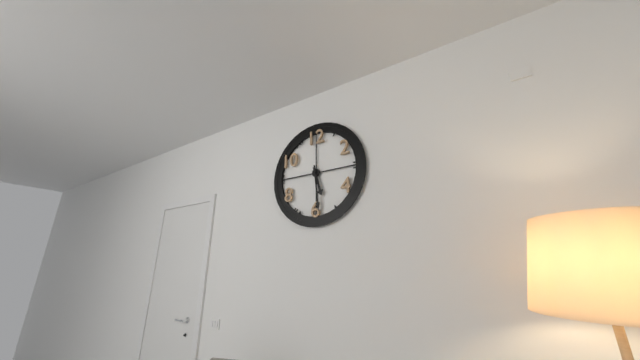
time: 5:29
